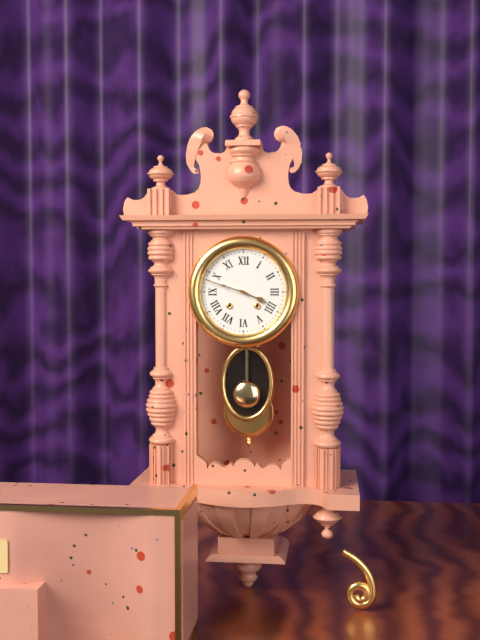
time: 3:48
